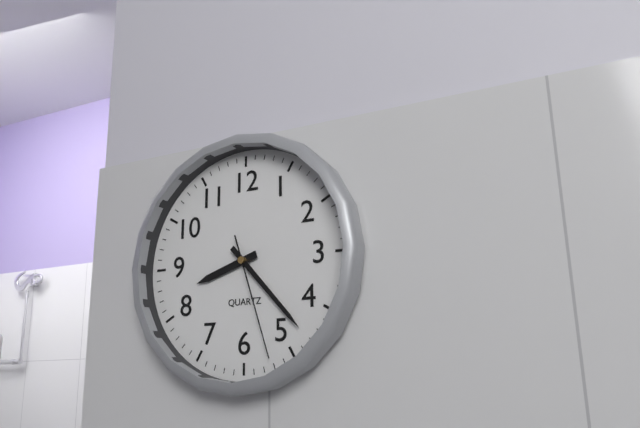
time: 8:23:27
